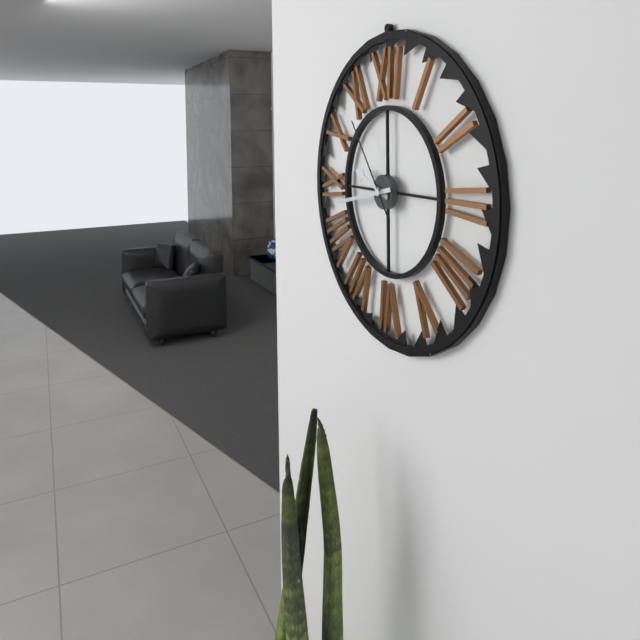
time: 9:43:54
